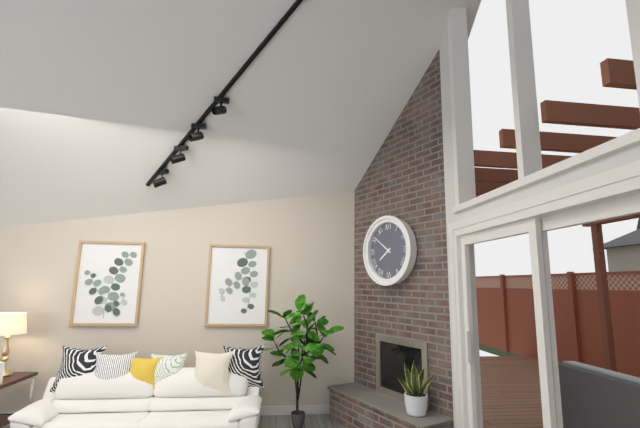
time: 7:51
